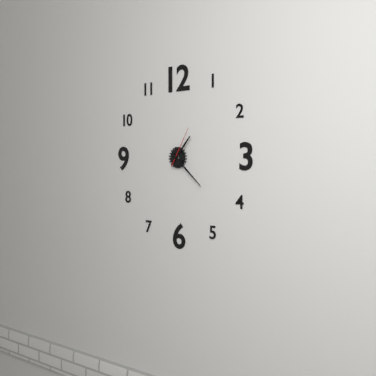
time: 1:22
